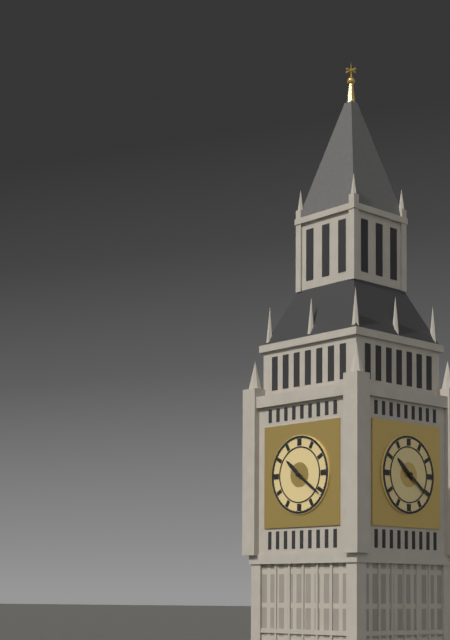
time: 10:21
